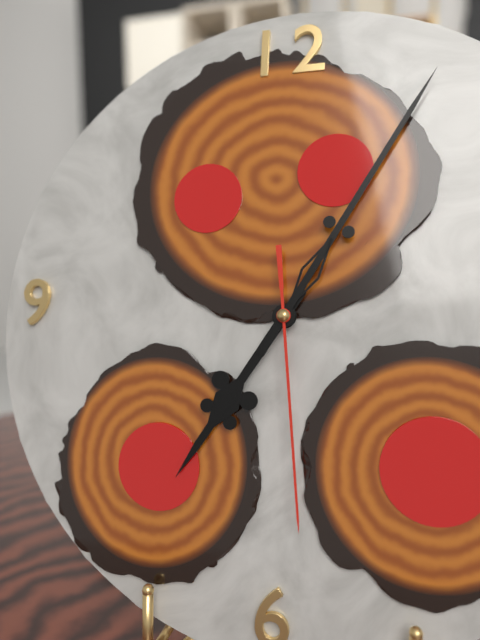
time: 7:05:29
